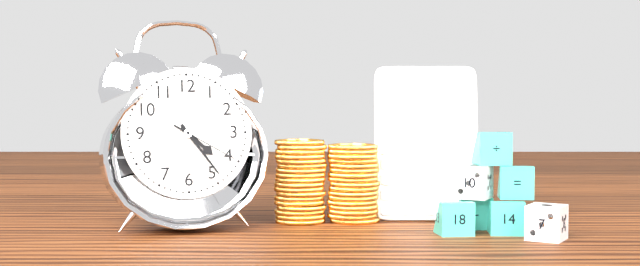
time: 4:24:20
